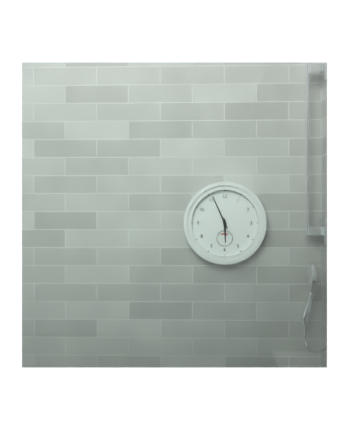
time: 5:56
